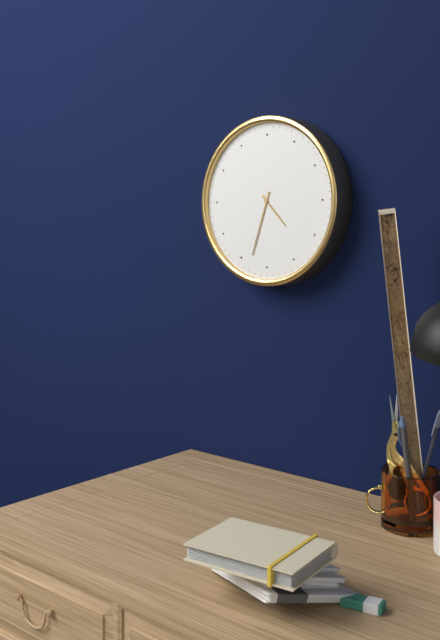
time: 4:33
